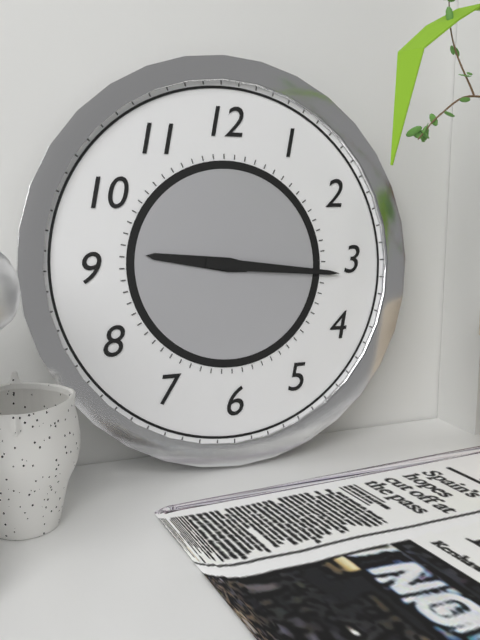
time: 9:16
